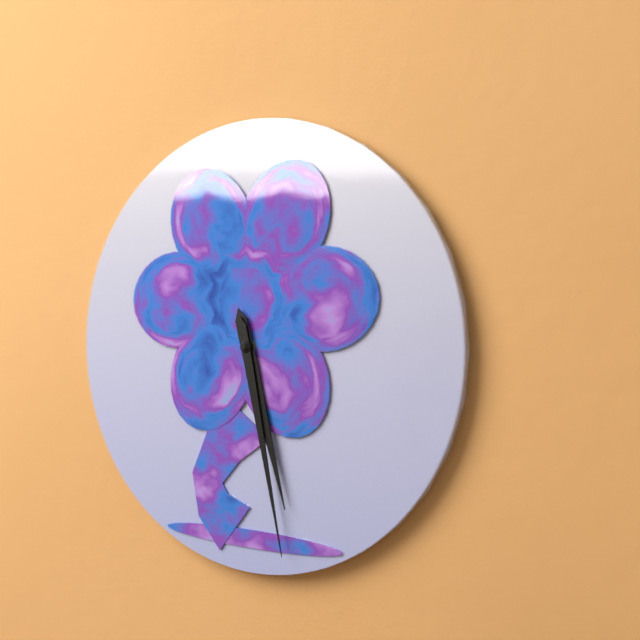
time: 5:28
